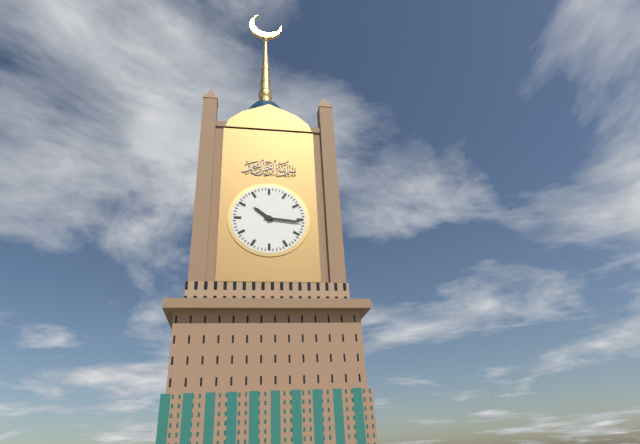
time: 10:16
